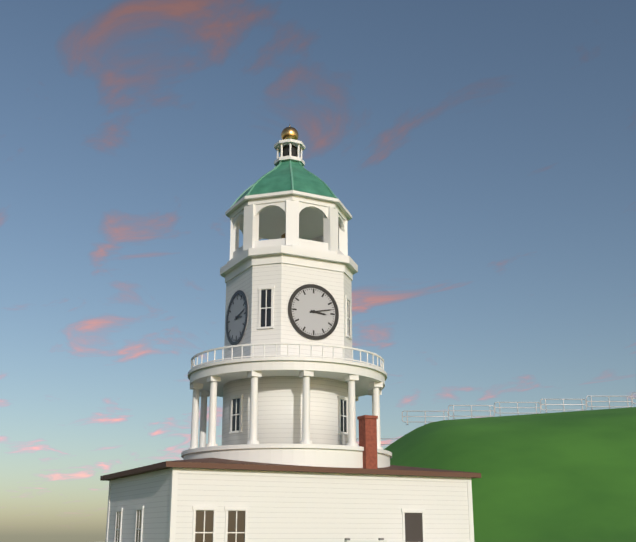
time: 3:13
